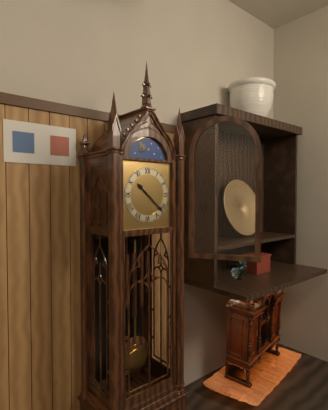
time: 10:22
